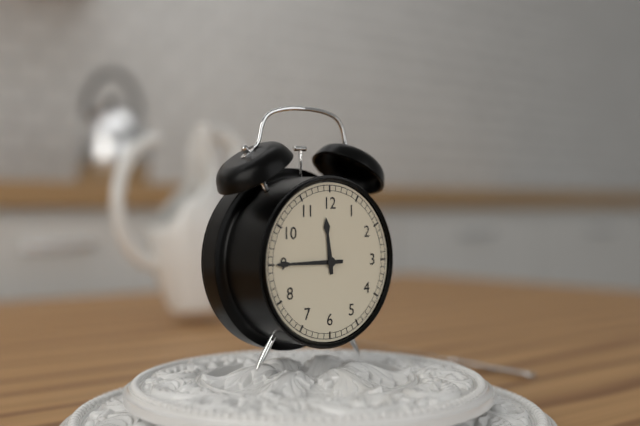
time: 11:45
